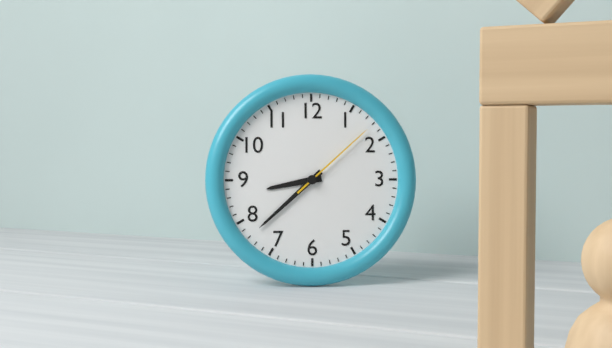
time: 8:38:08
